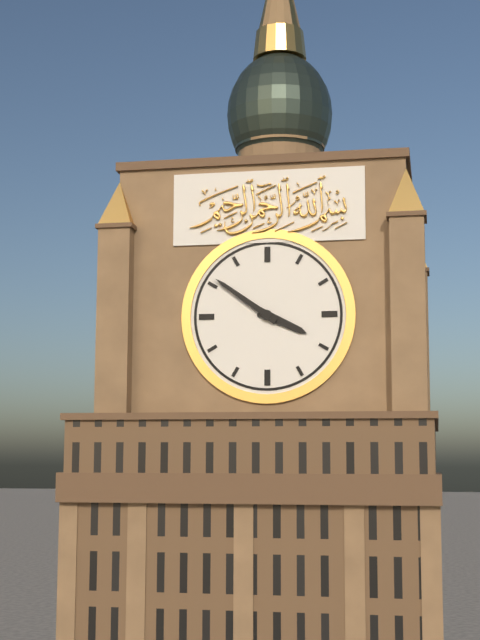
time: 3:51
